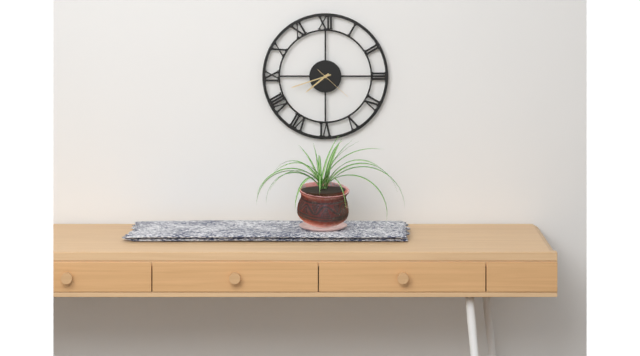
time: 7:42
